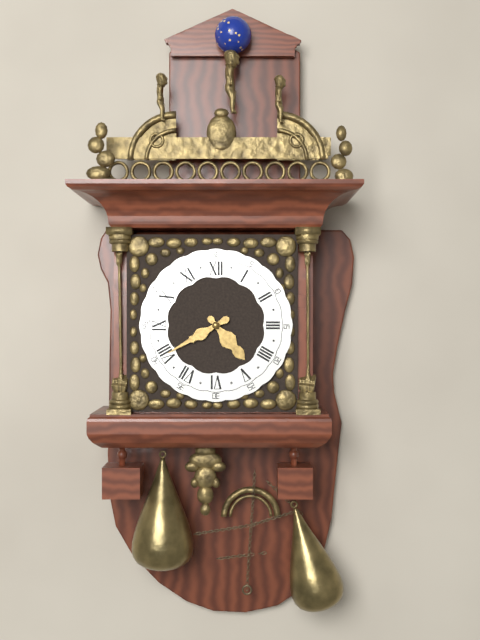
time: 4:40
